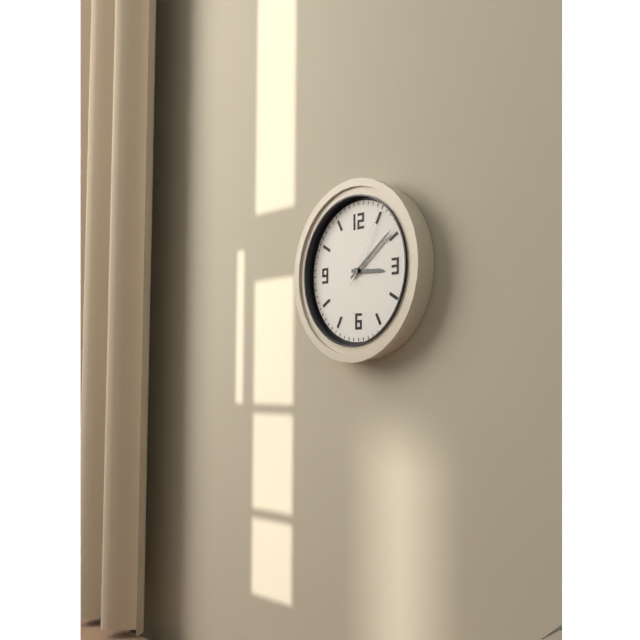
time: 3:09:05
